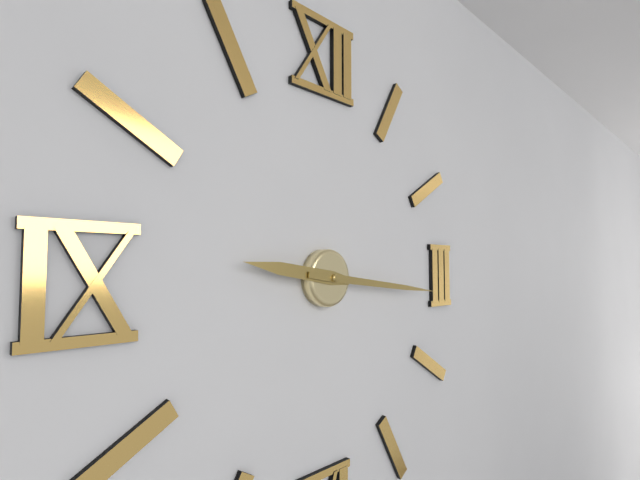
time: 9:16
